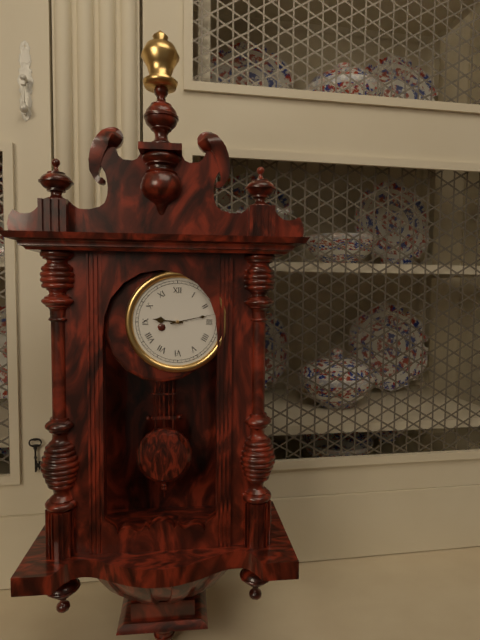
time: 9:13
